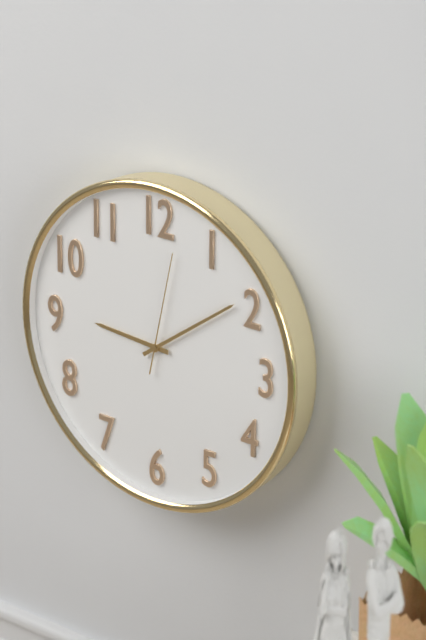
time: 9:09:02
